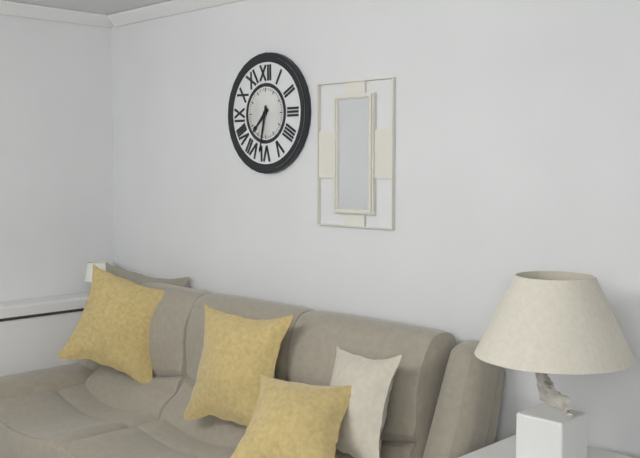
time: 7:32
